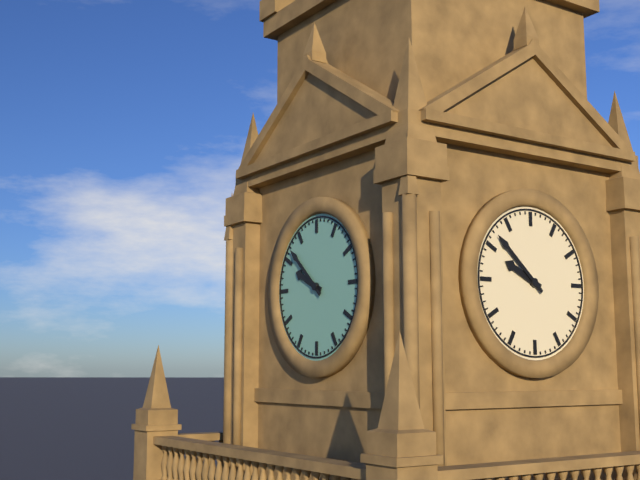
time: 9:52
